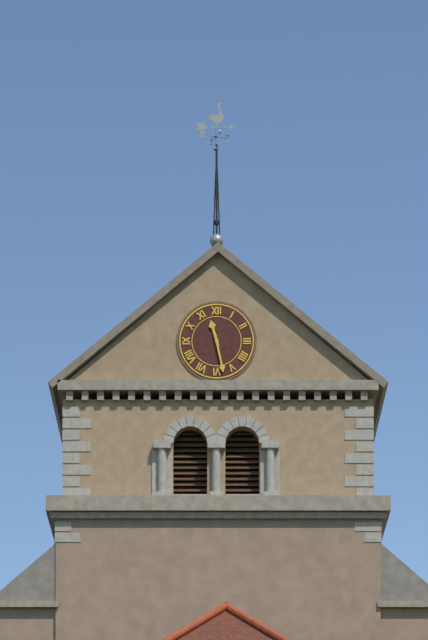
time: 11:28
